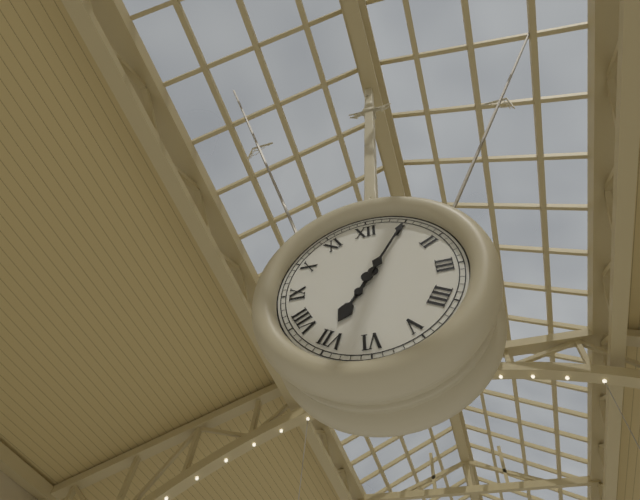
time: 7:05
